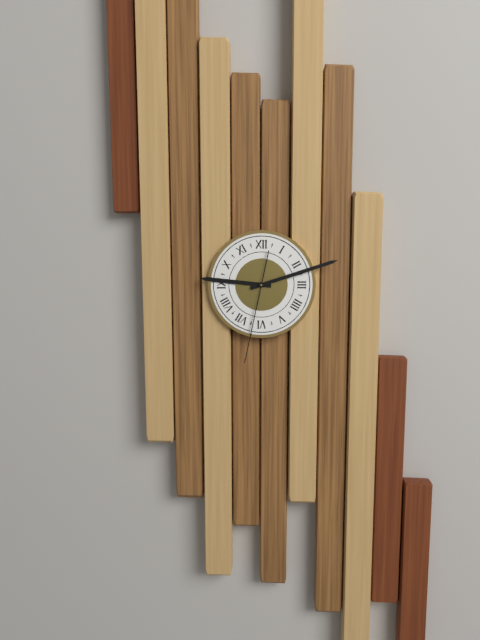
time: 9:12:32
